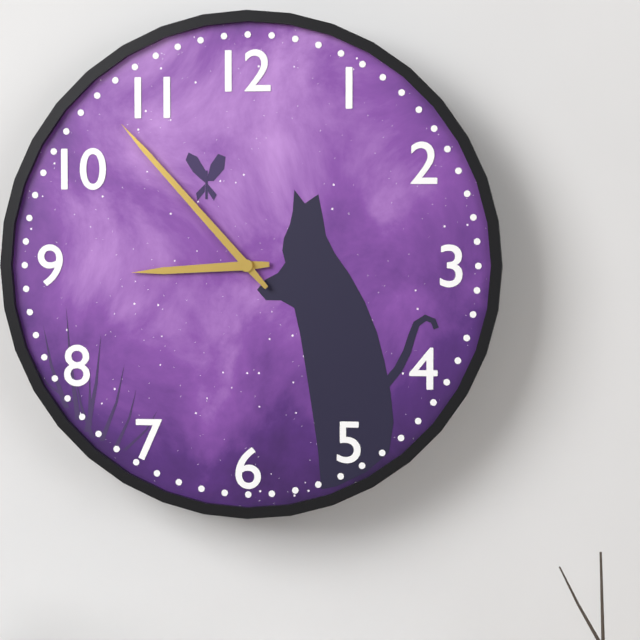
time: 8:53
